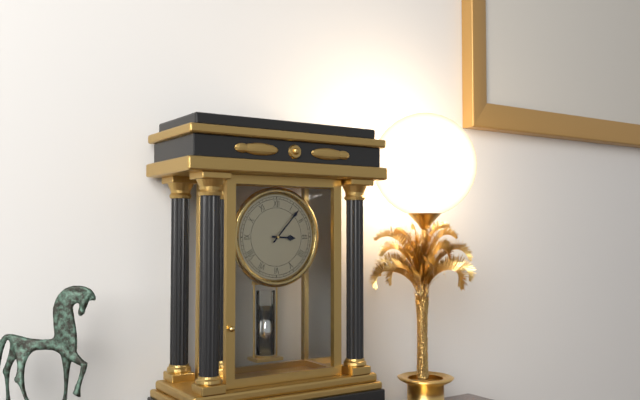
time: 3:07
